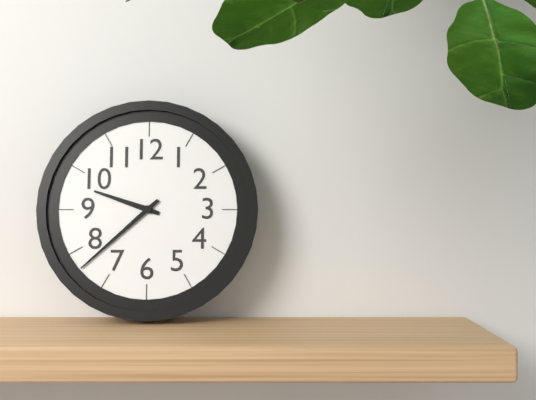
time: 9:38
